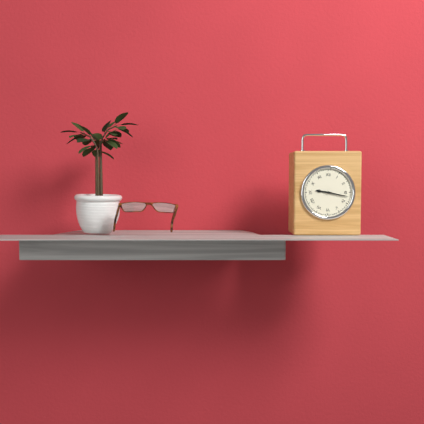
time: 9:17
